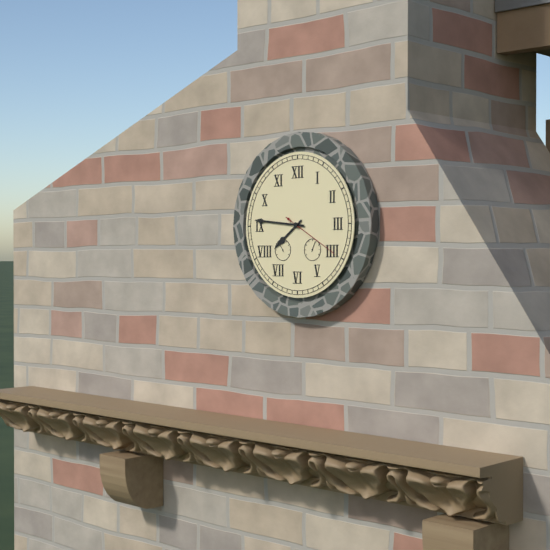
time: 7:46:20
